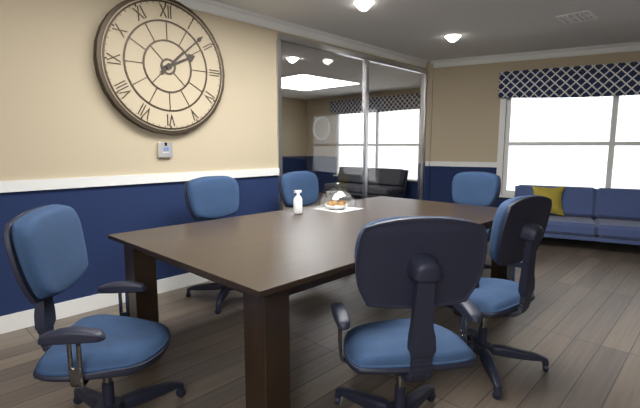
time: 2:08
